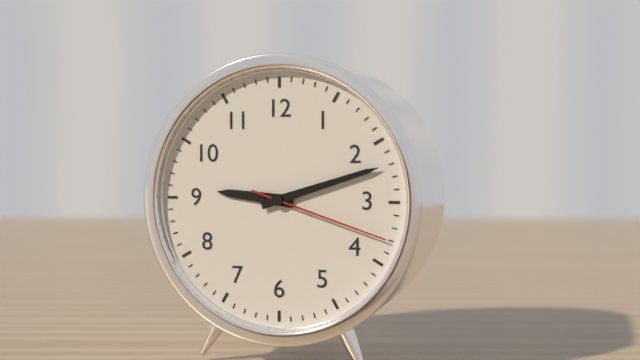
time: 9:12:18
